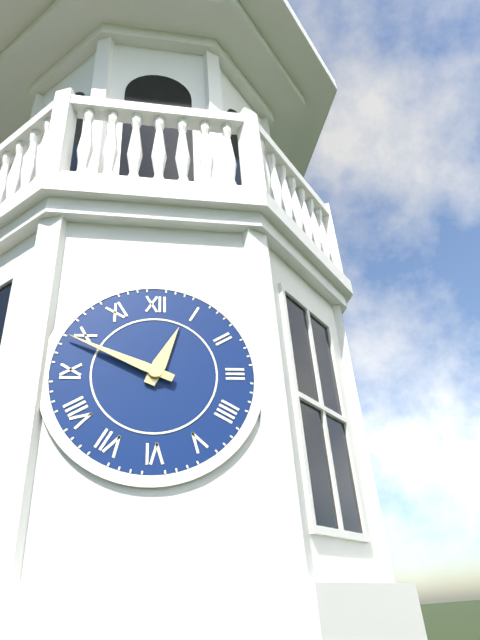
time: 12:49
